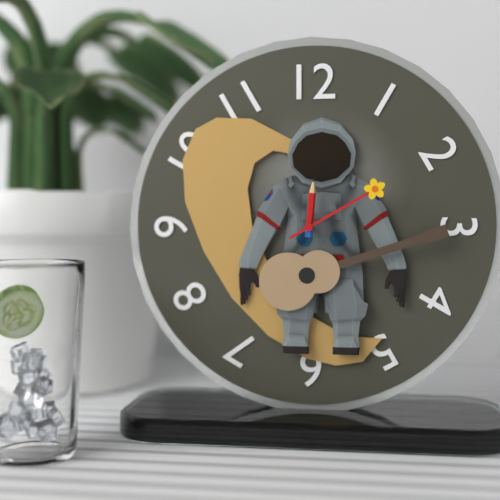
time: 12:10
